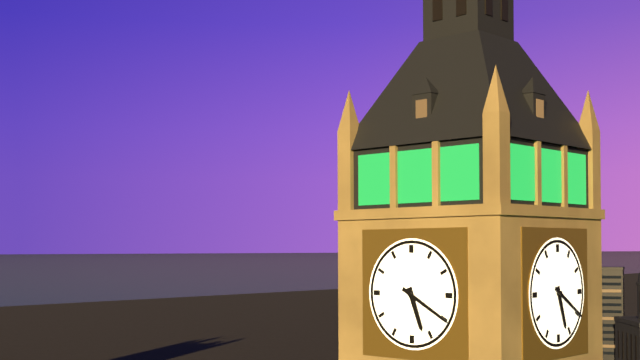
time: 5:20
